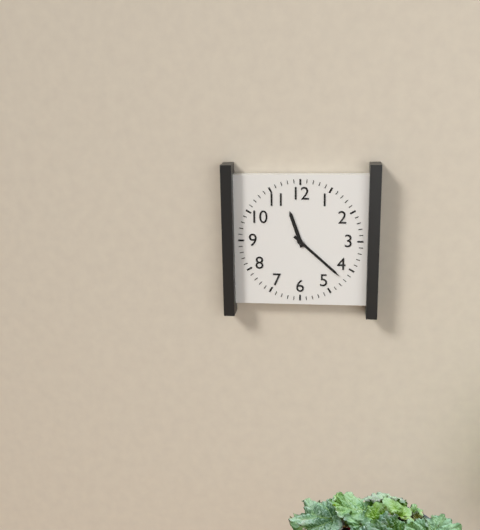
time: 11:22
